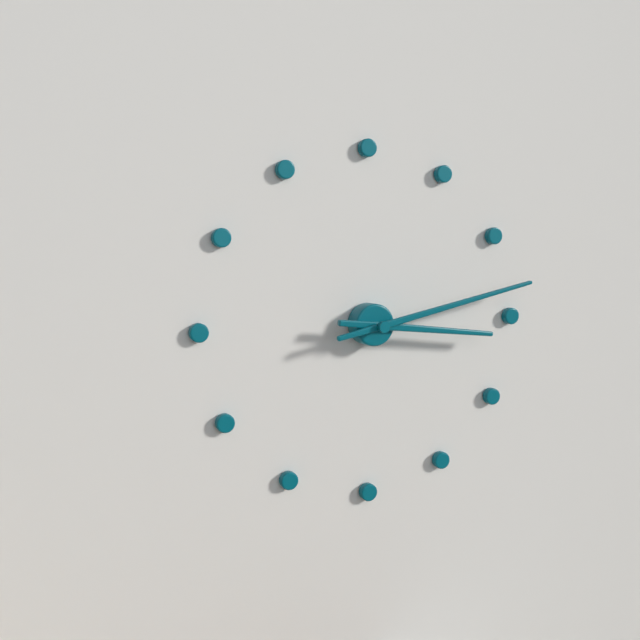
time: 3:13
